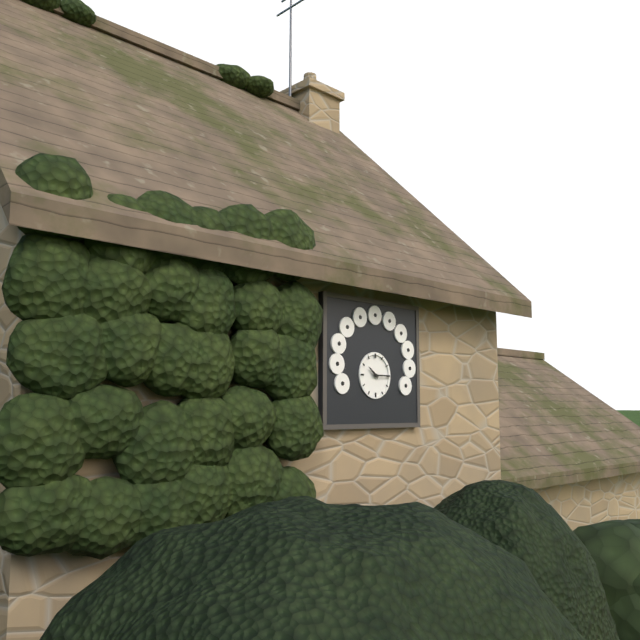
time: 10:15
